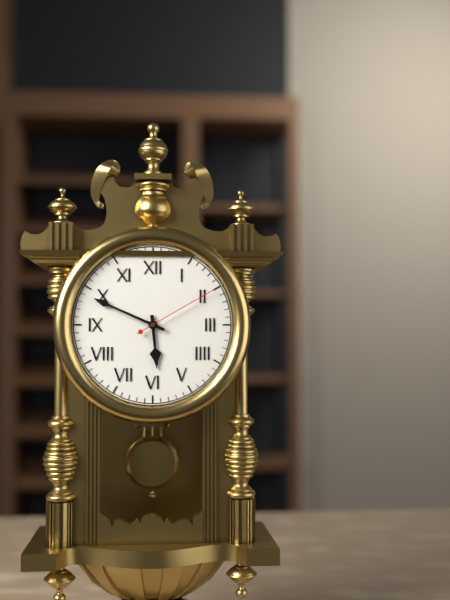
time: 5:49:10
